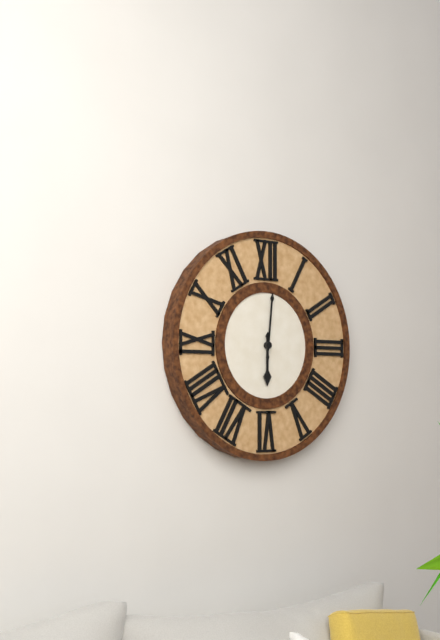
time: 6:01
